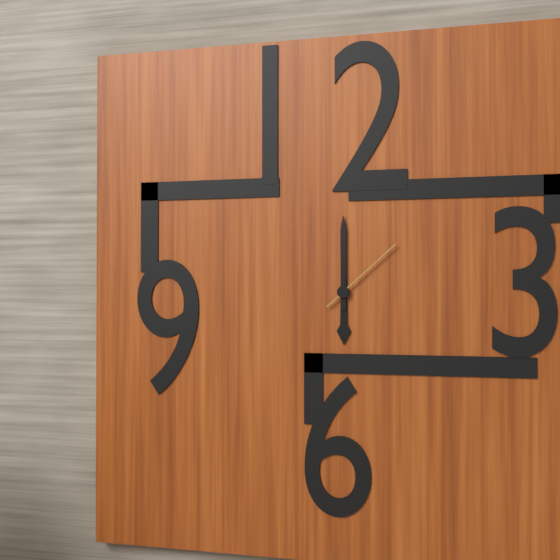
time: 6:00:08
